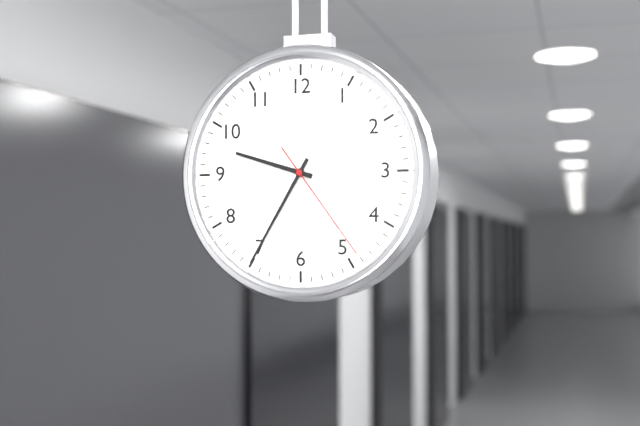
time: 9:35:24
